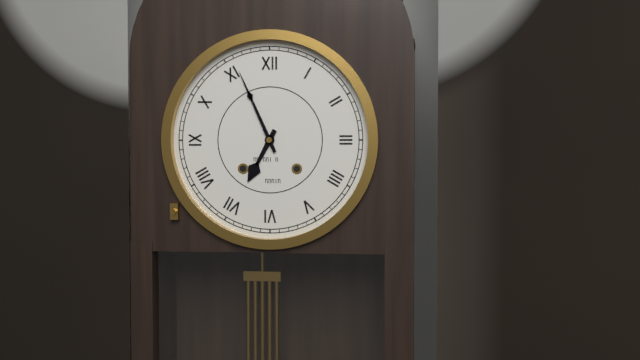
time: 6:56
